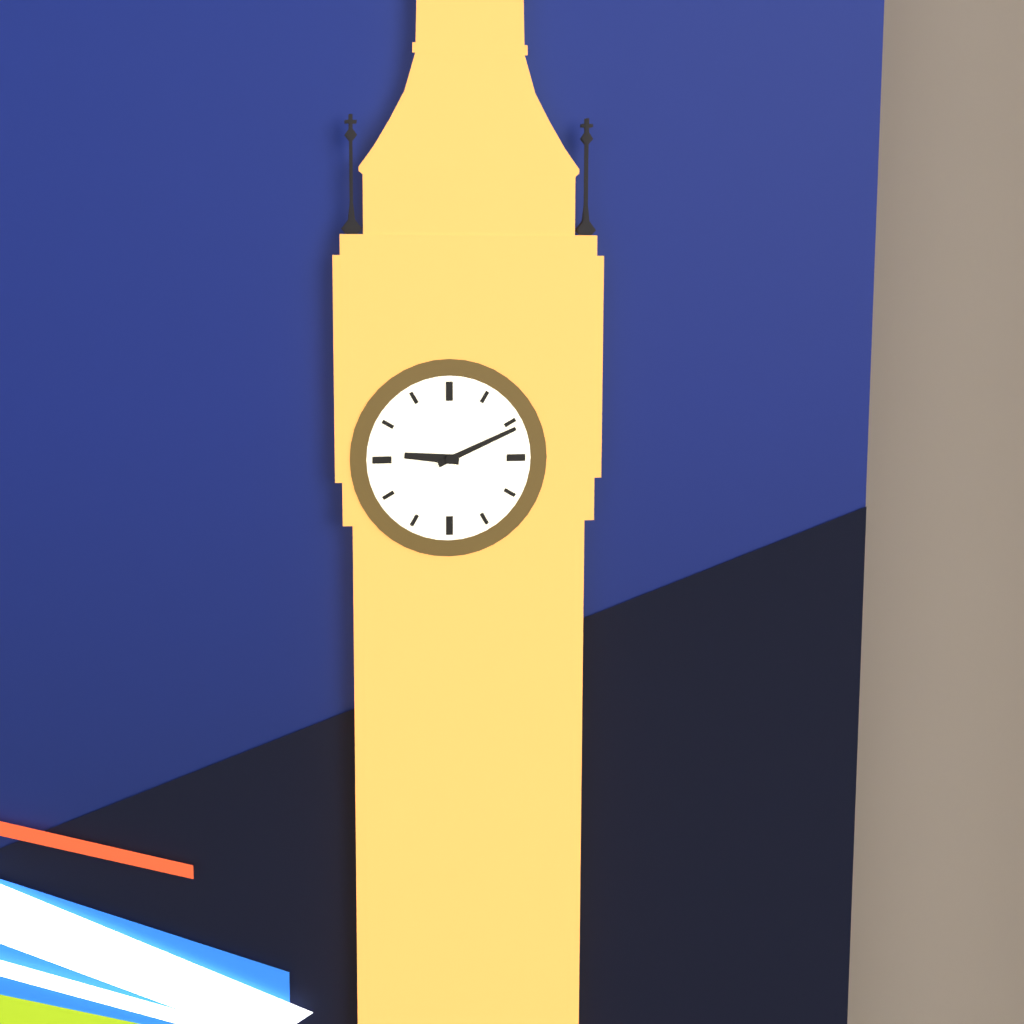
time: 9:11
